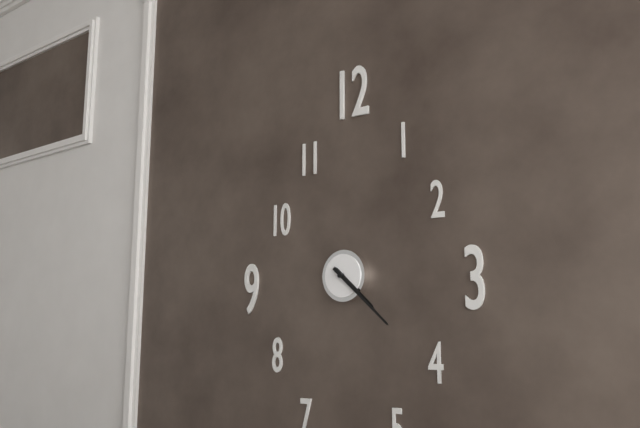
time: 4:22
